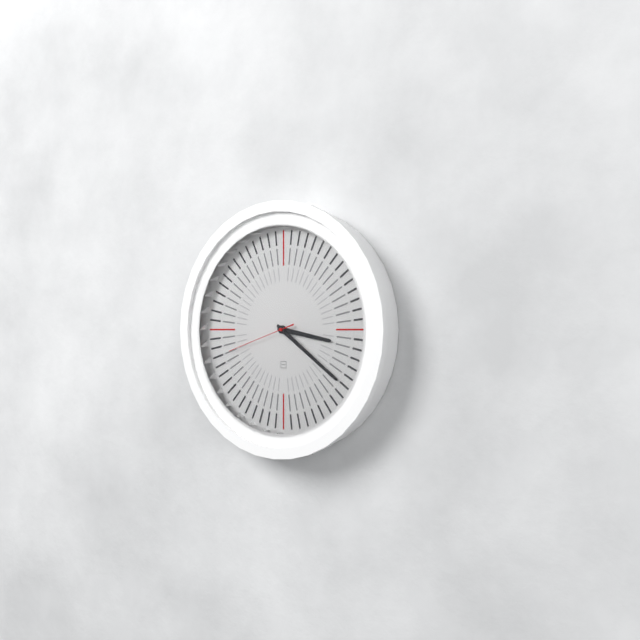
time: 3:21:42
